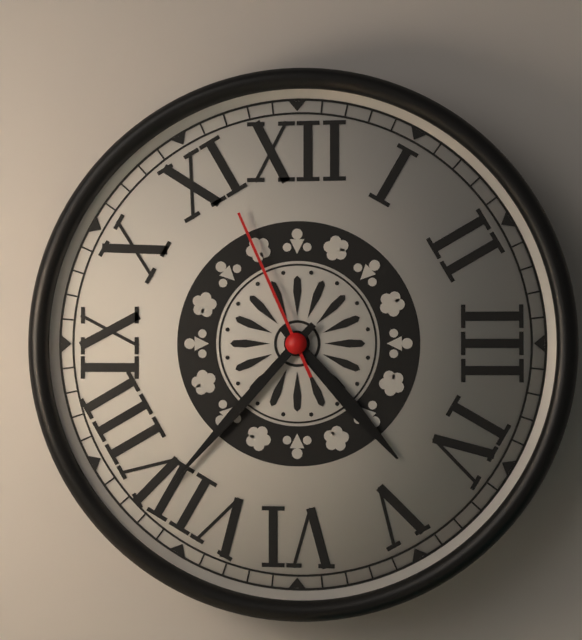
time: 4:37:56
